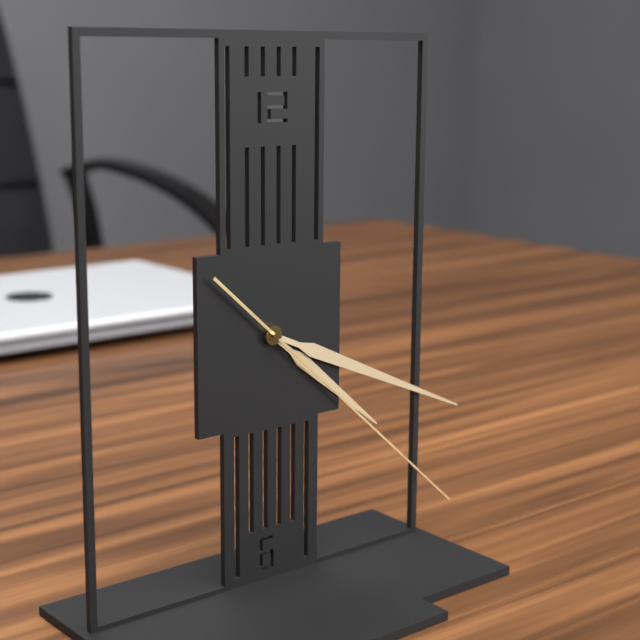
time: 4:19:22
